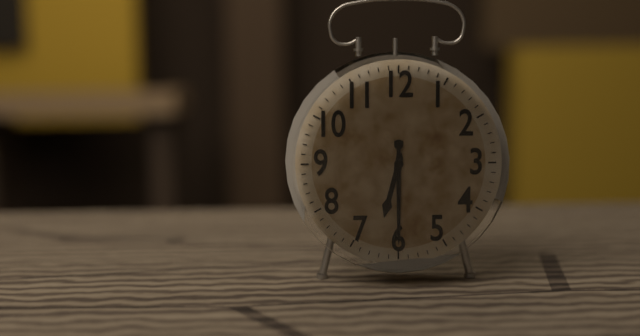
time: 6:30
